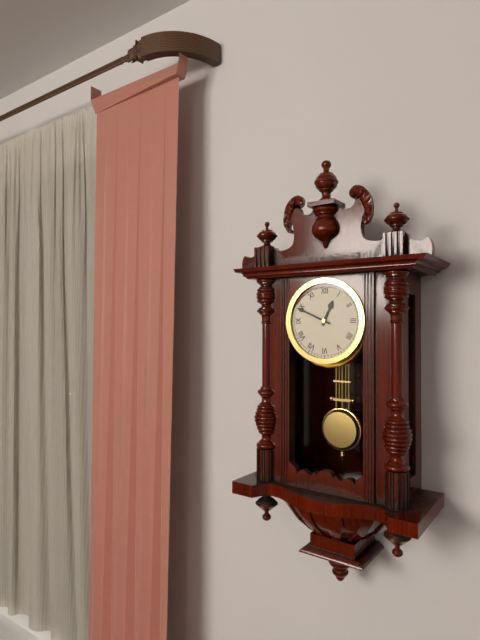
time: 12:49
